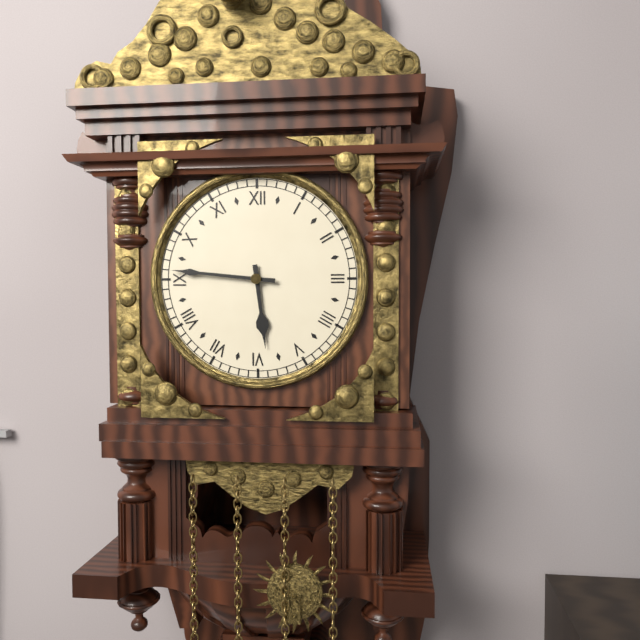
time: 5:46
